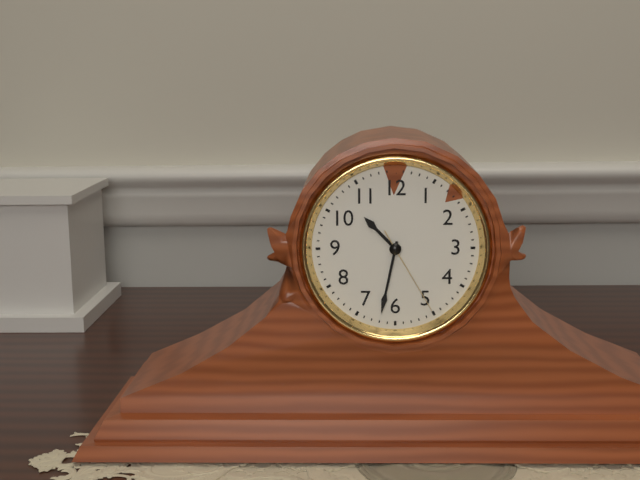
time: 10:32:25
